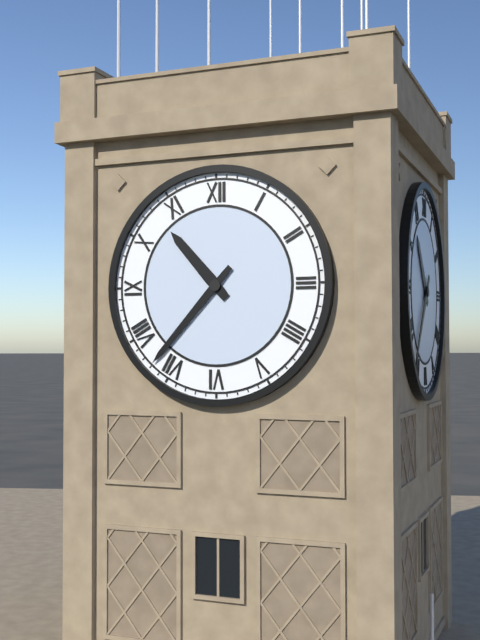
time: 10:37
